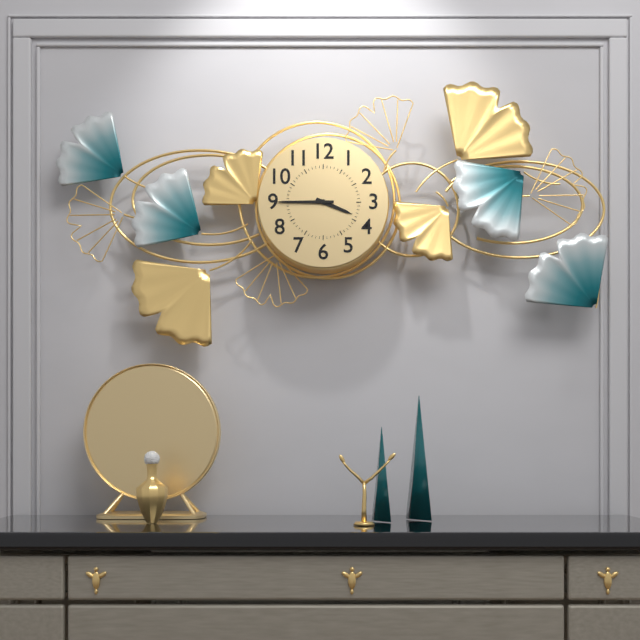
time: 3:45
